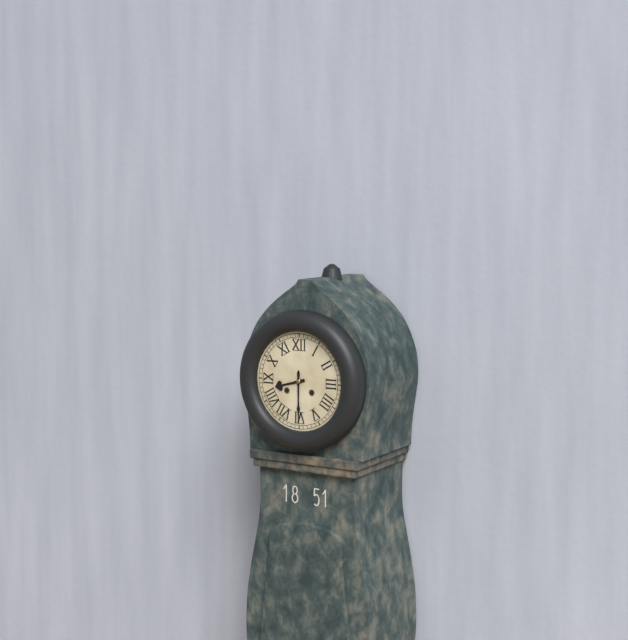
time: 8:30
